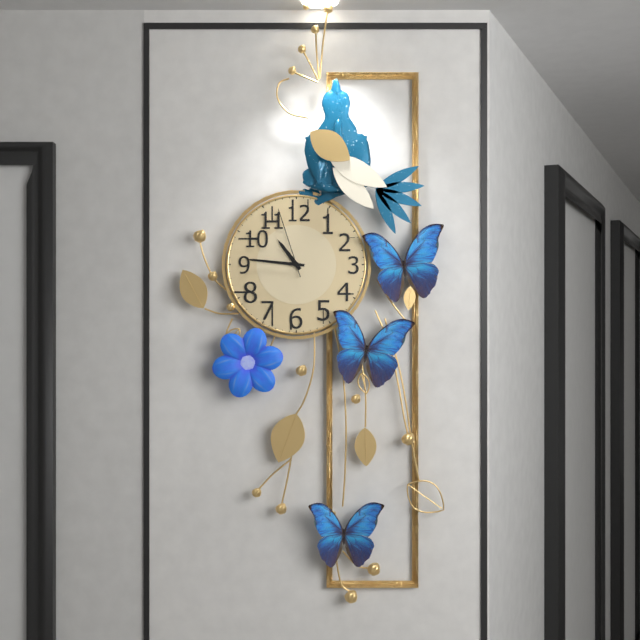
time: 10:46:57
